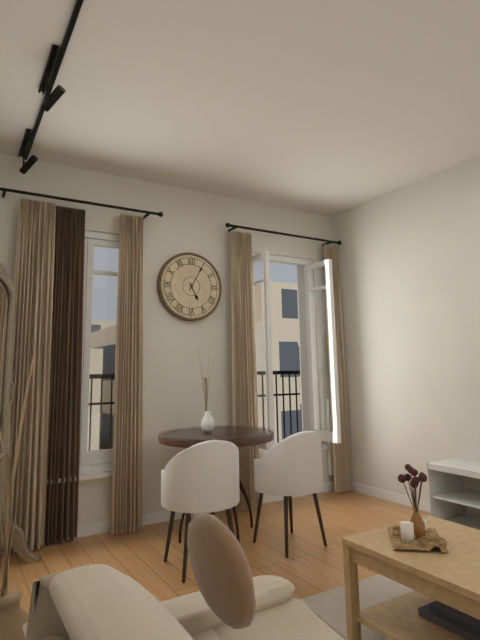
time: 5:05
